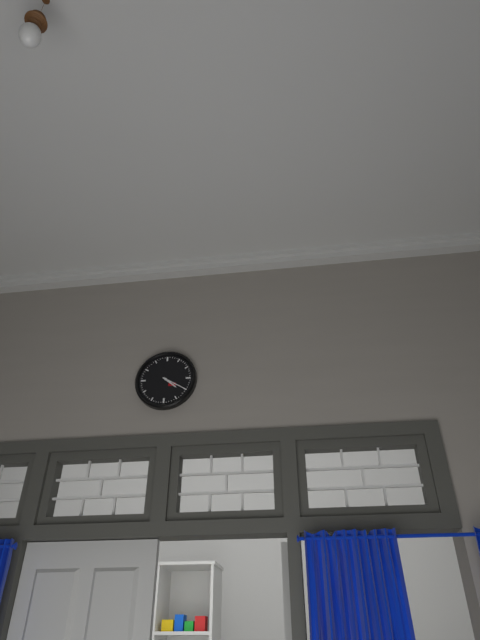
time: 4:20
